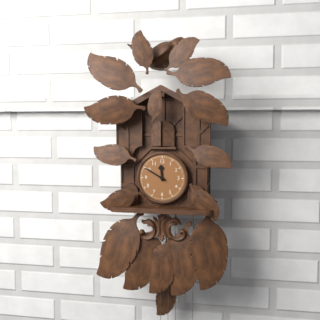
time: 11:50
